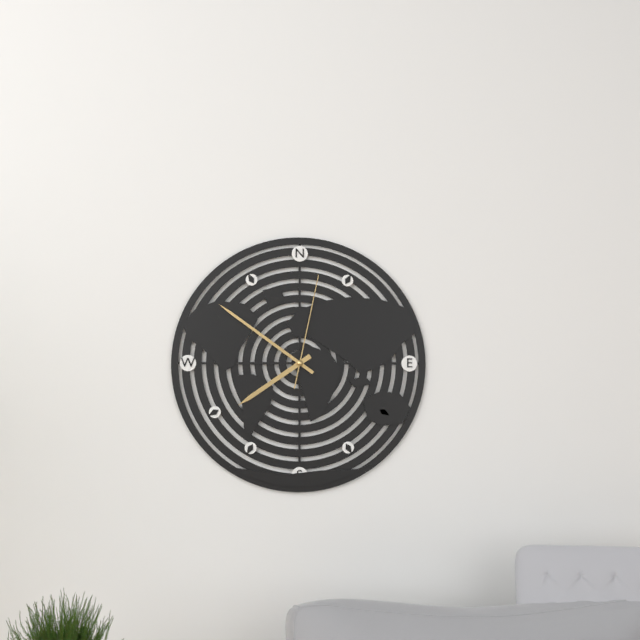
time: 7:51:02
